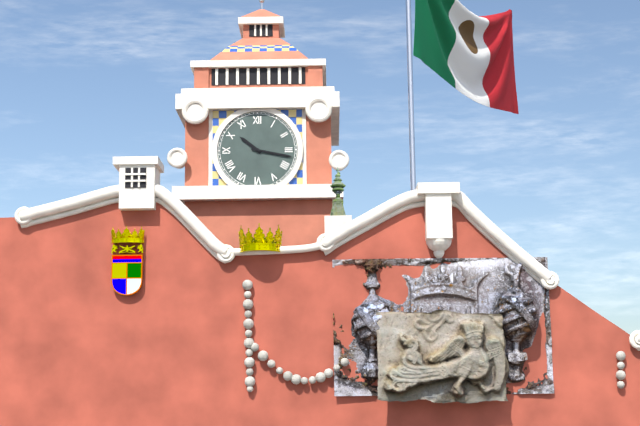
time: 10:17
